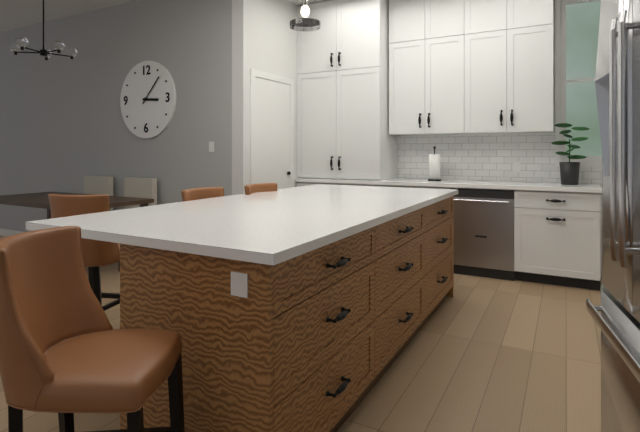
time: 3:07
